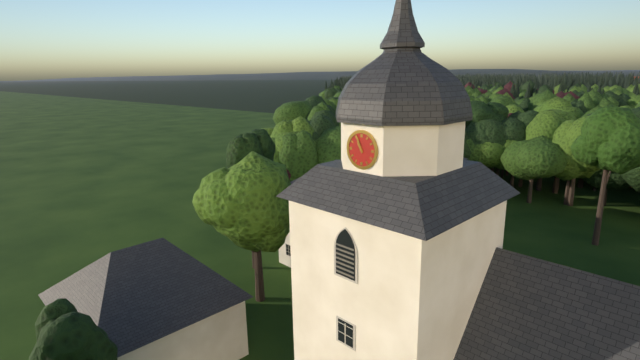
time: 10:56
